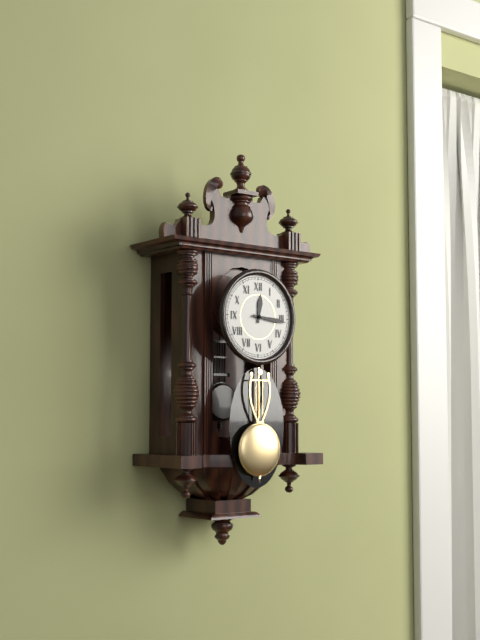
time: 12:16
